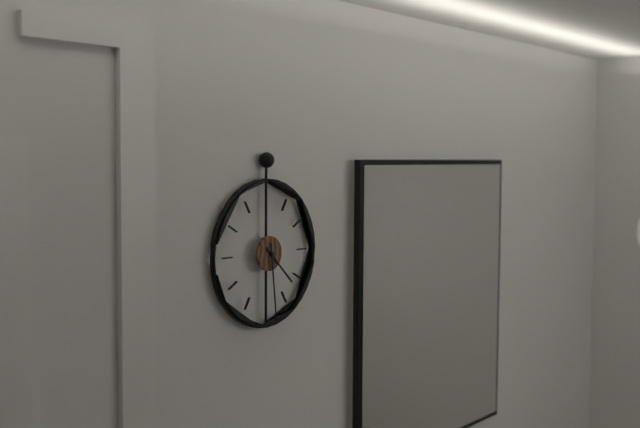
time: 4:29
